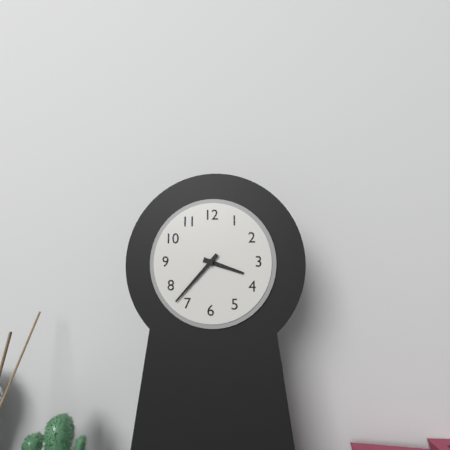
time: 3:37
